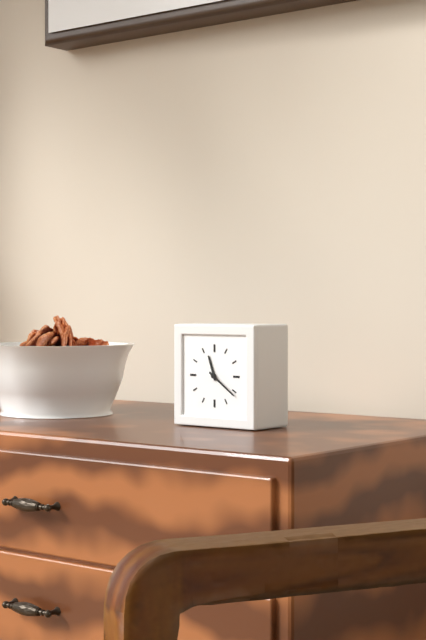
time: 11:21
